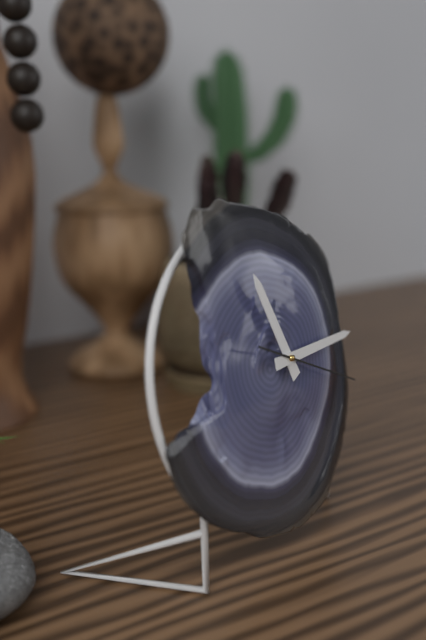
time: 11:15:19
